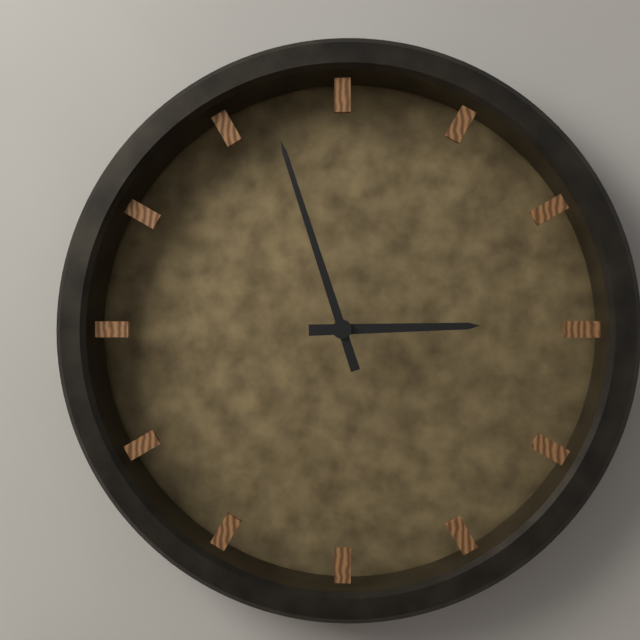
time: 2:57
